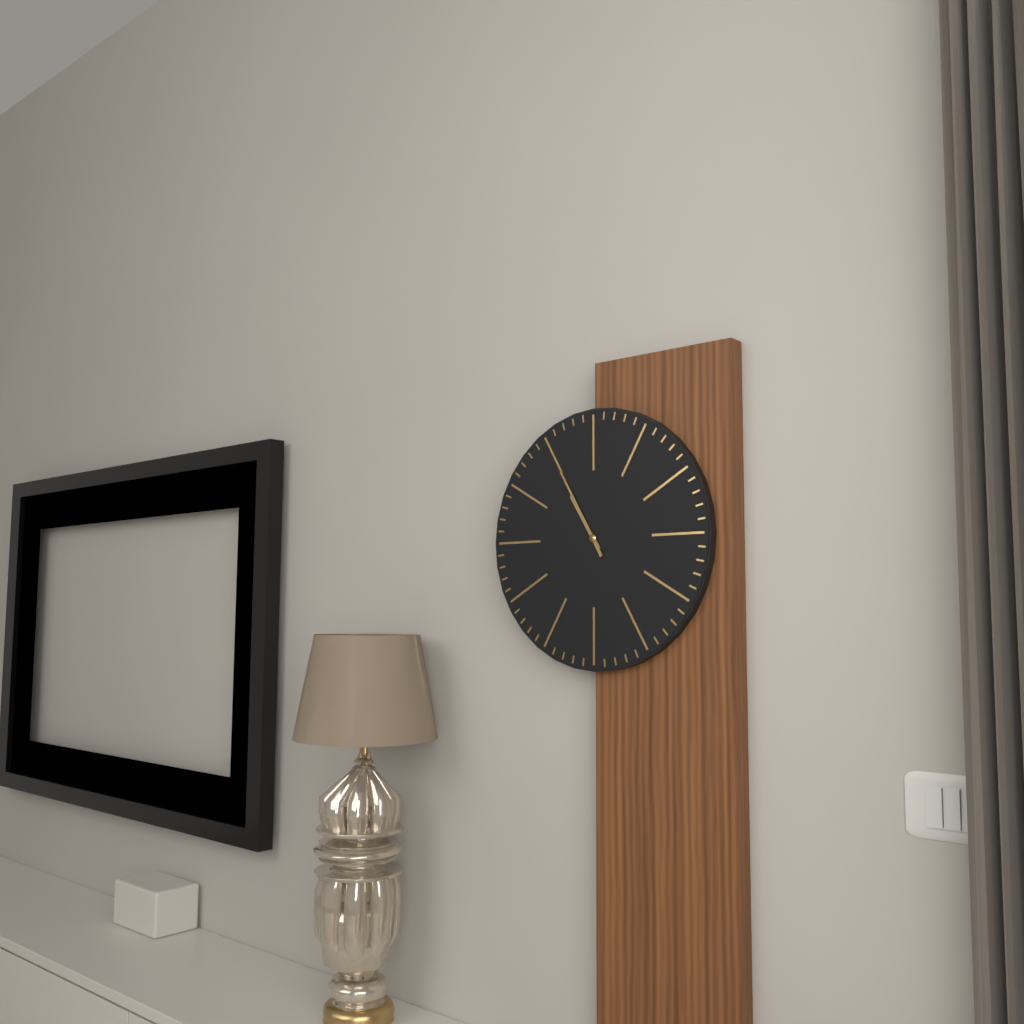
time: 10:55
